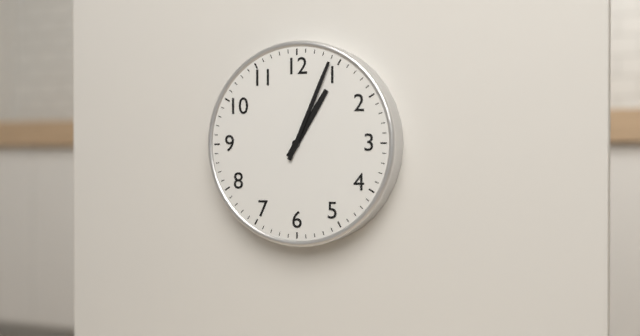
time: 1:04
